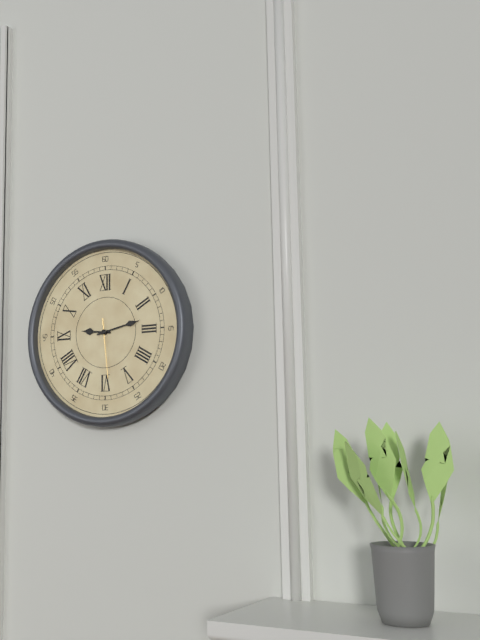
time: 9:13:29
